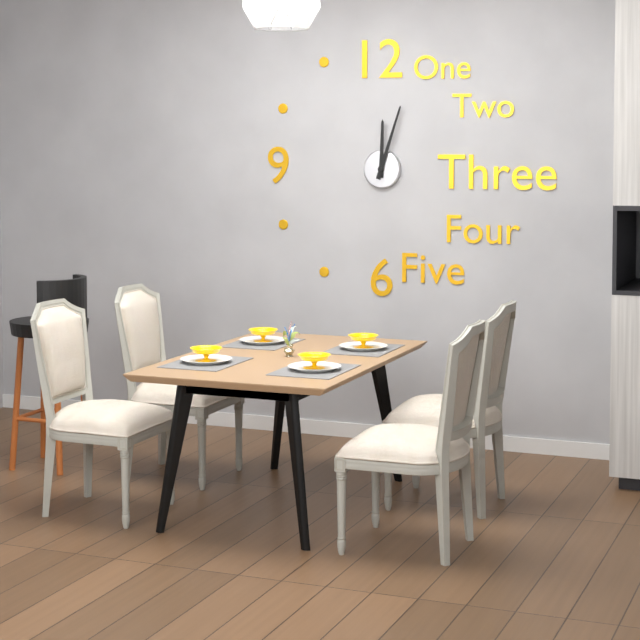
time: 12:03
